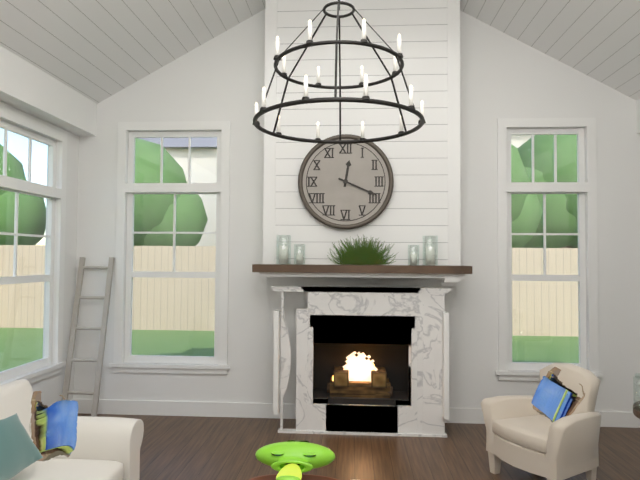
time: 12:19
